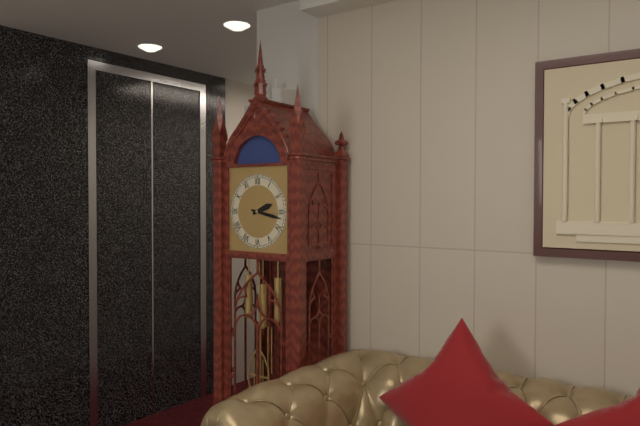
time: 2:17
